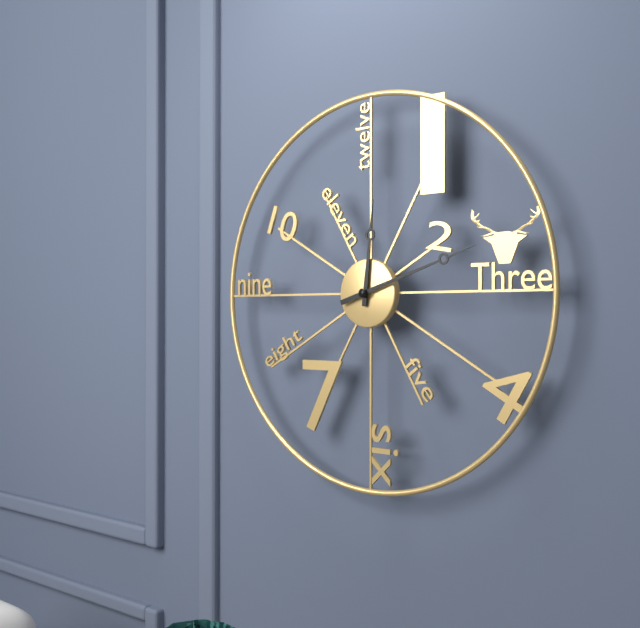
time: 12:12
